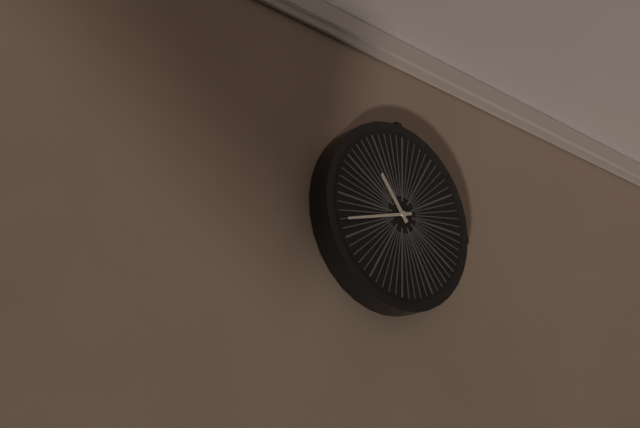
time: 10:42
